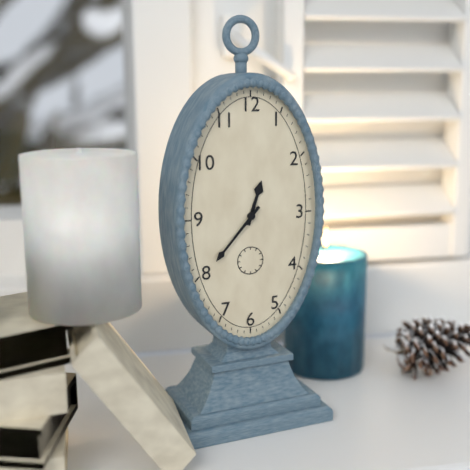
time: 12:37
